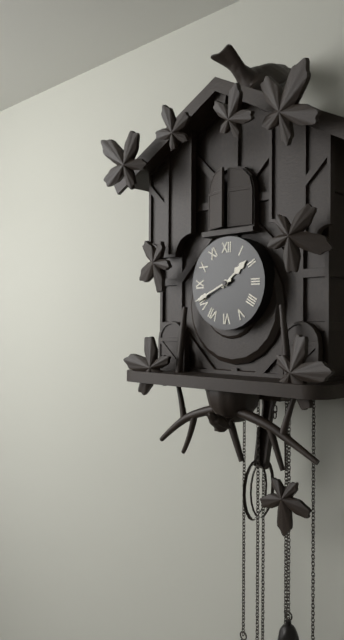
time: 1:41
